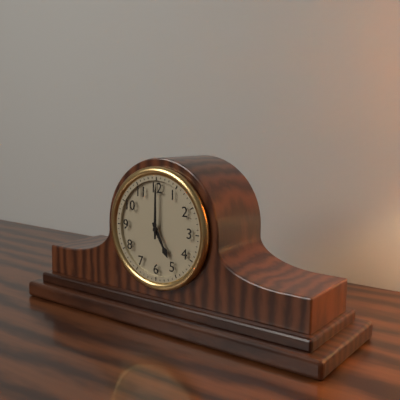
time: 5:00
